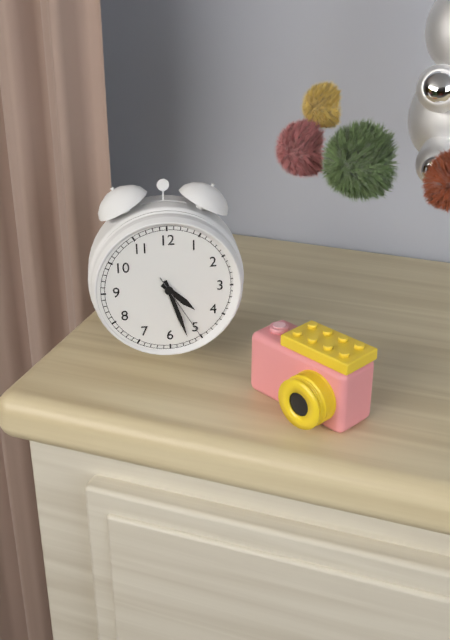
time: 4:27:25
